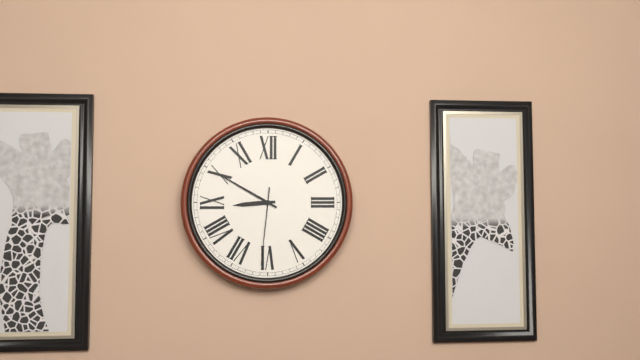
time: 8:50:31
